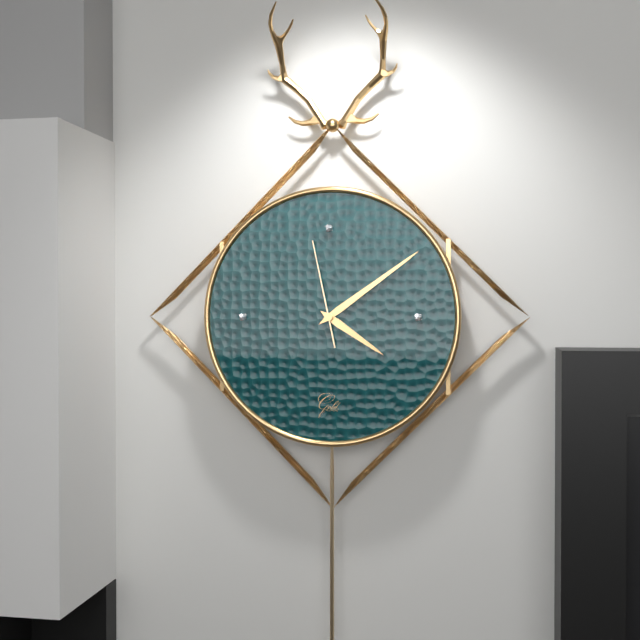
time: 4:09:58
